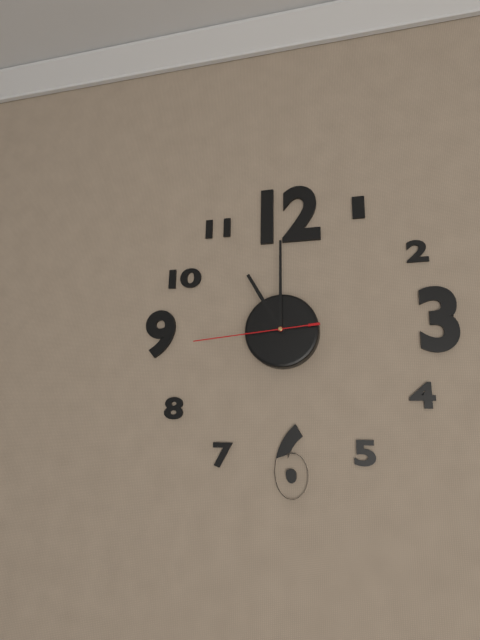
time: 11:00:44
